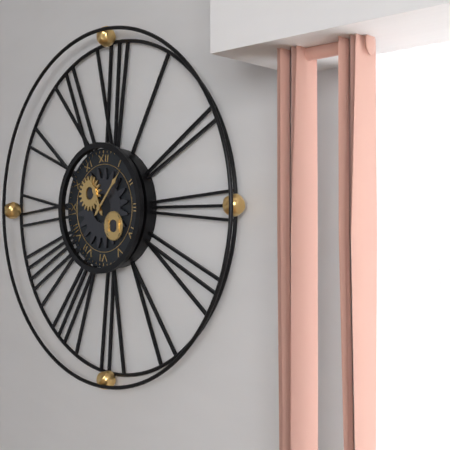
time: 11:07
